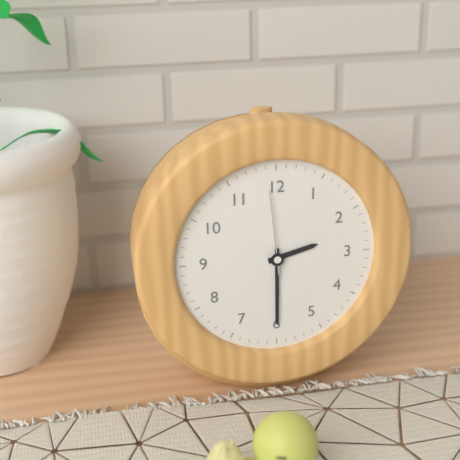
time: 2:30:59
